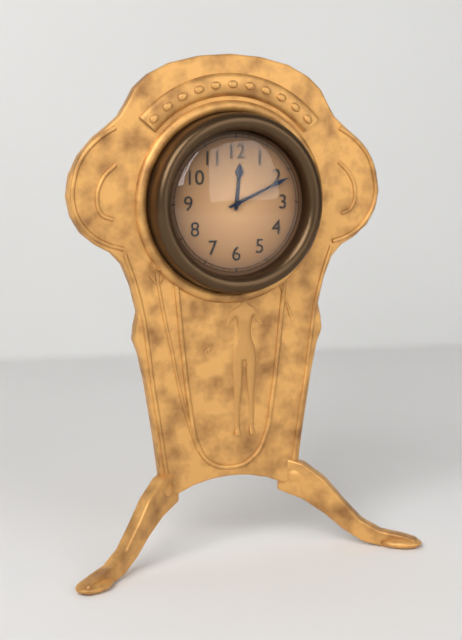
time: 12:11
